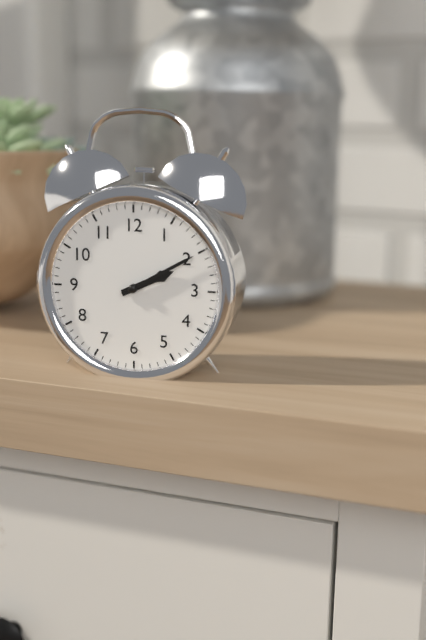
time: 2:10
